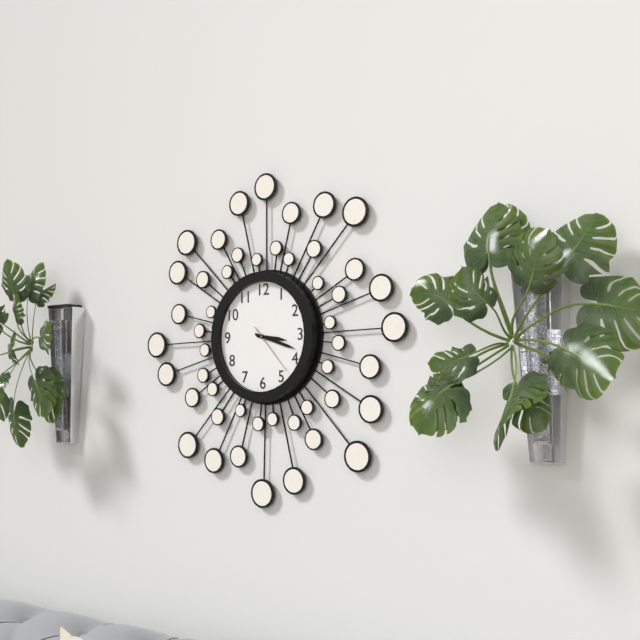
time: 3:18:23
